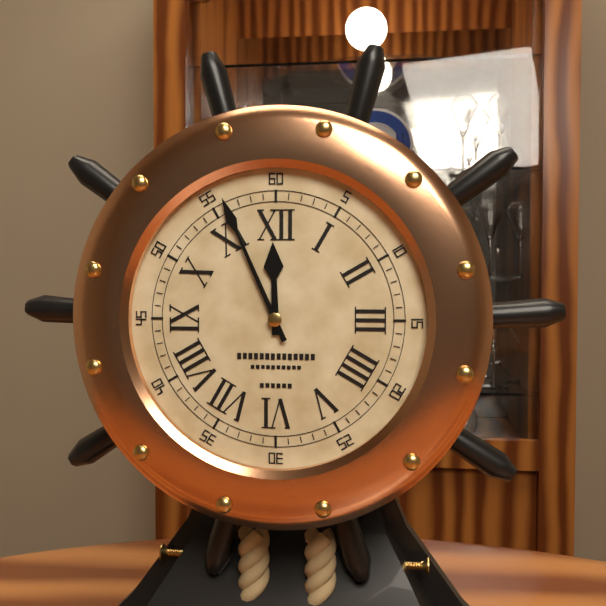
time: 11:56
